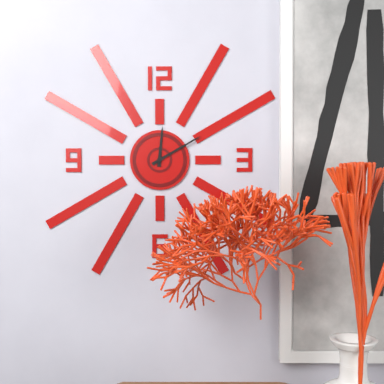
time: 12:10
